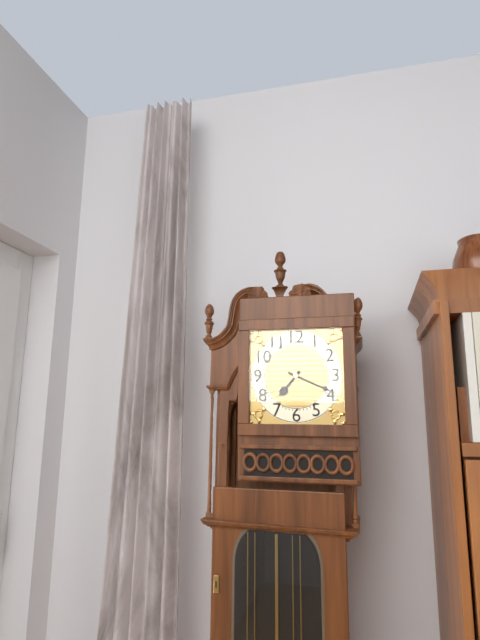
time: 7:19
